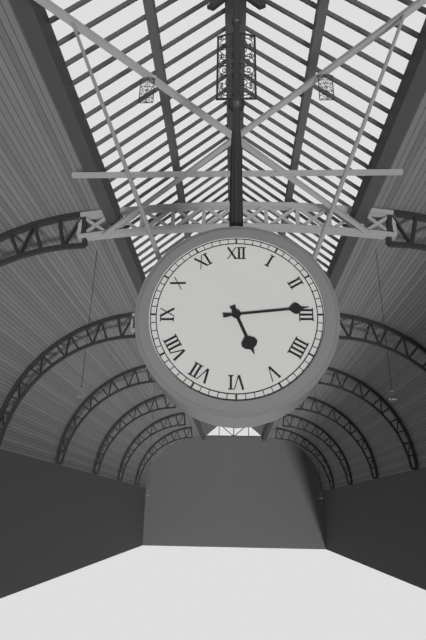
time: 5:14
